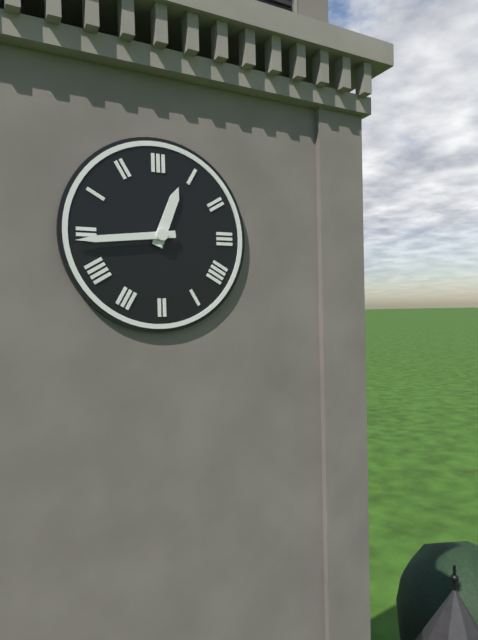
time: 12:44
